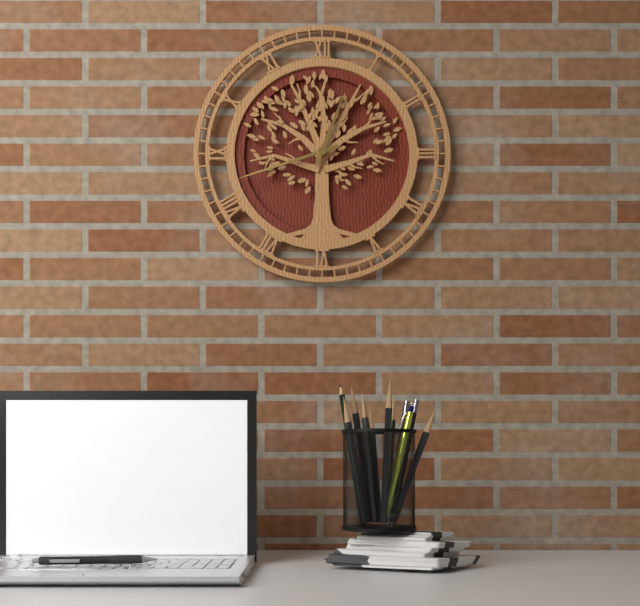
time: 12:42
